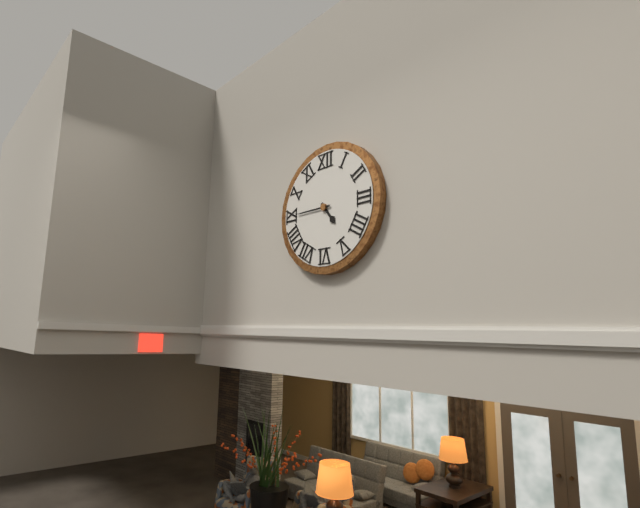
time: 4:45
